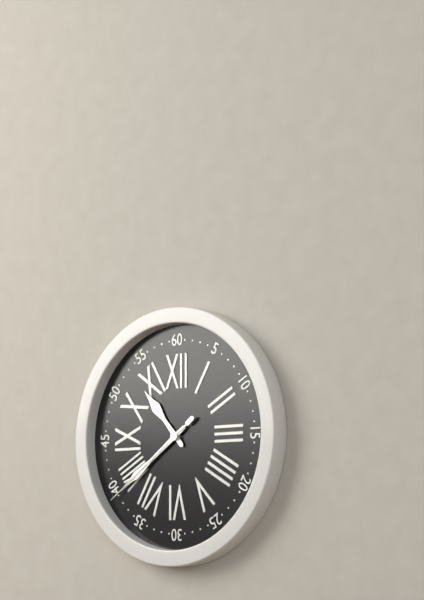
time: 10:39:39
